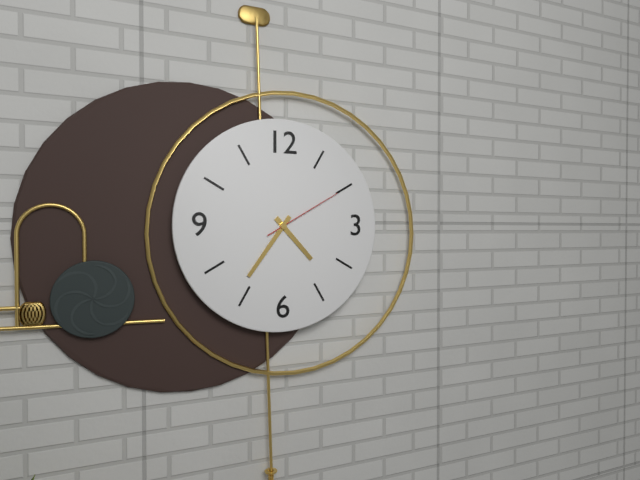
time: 4:36:10
